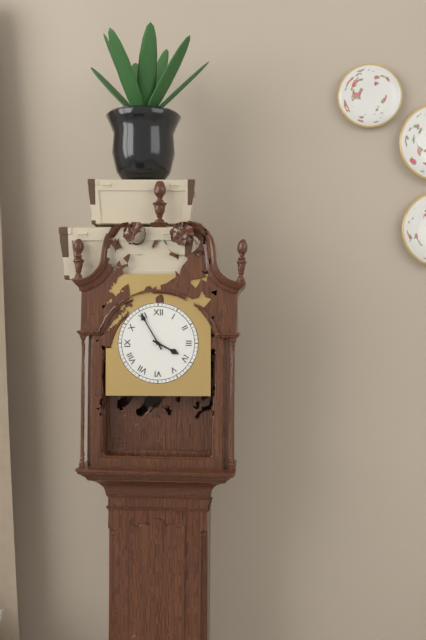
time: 3:55
